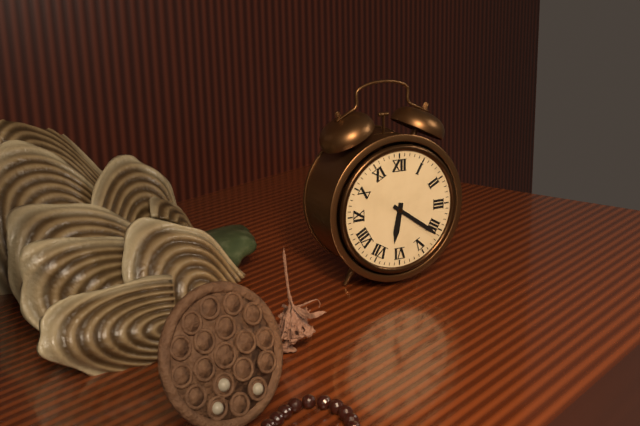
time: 6:21
